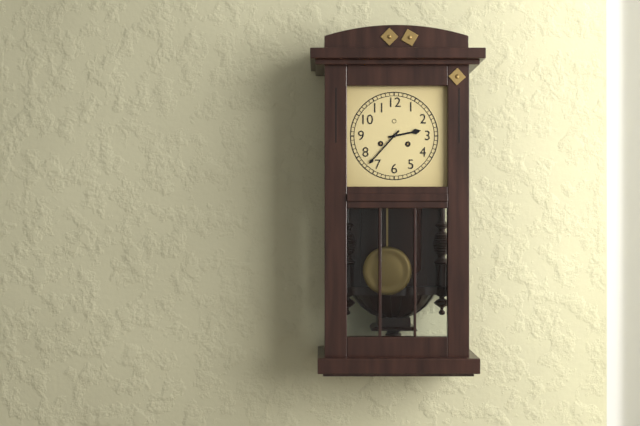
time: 2:37
